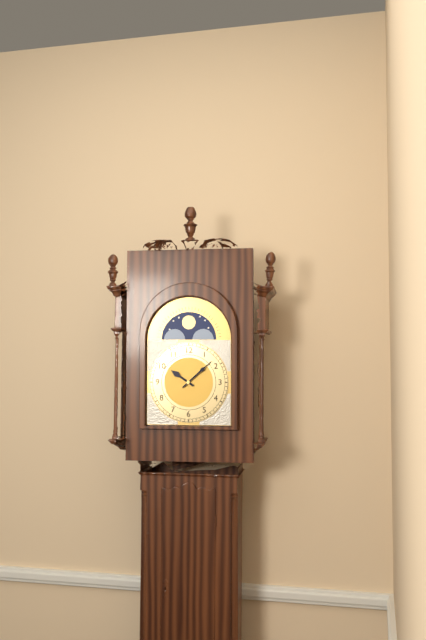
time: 10:08
